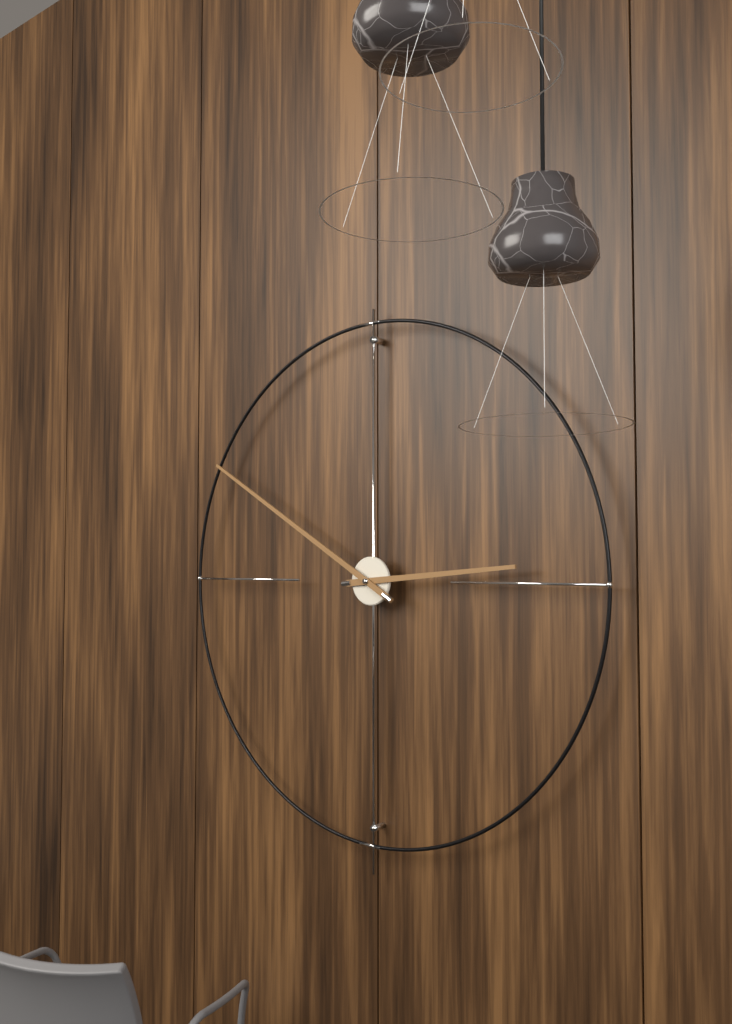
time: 2:50
